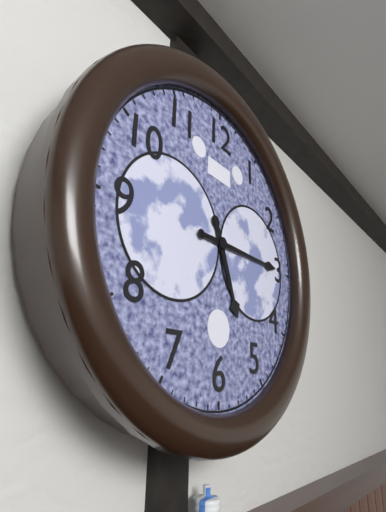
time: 5:15
